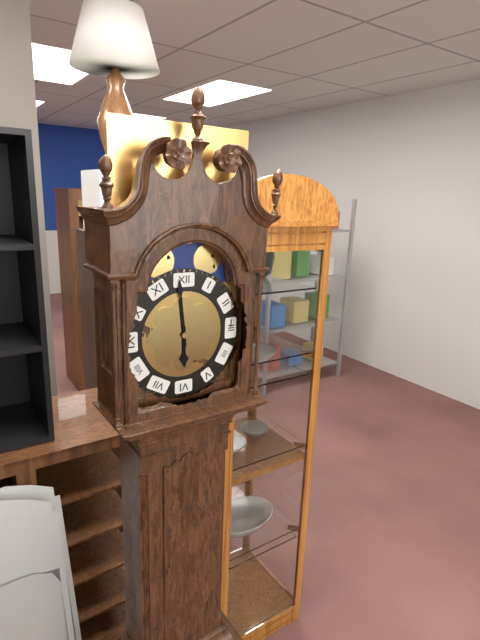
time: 5:59
